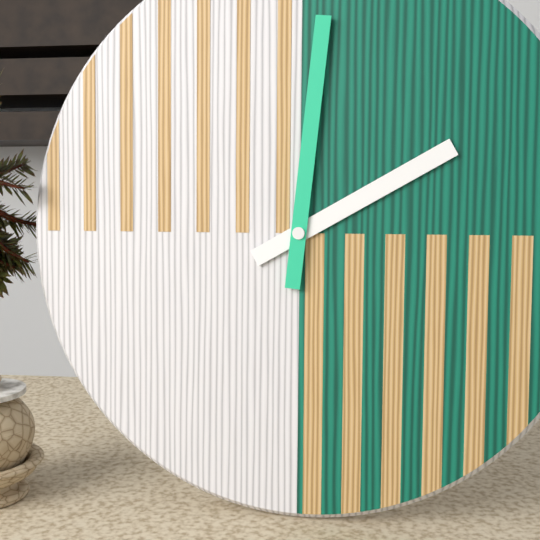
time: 2:01
